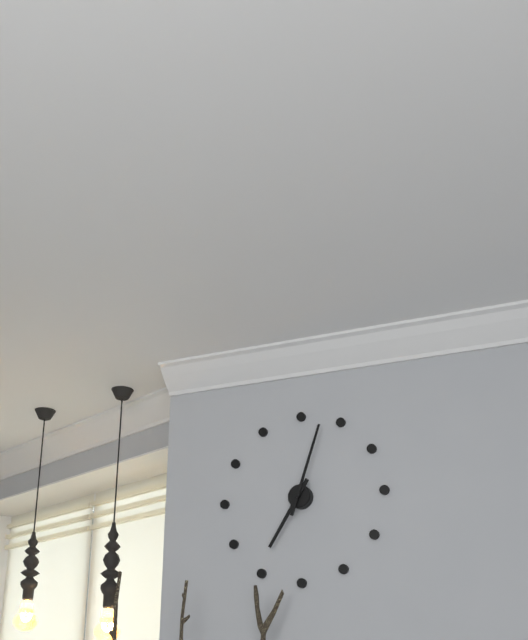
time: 7:03
